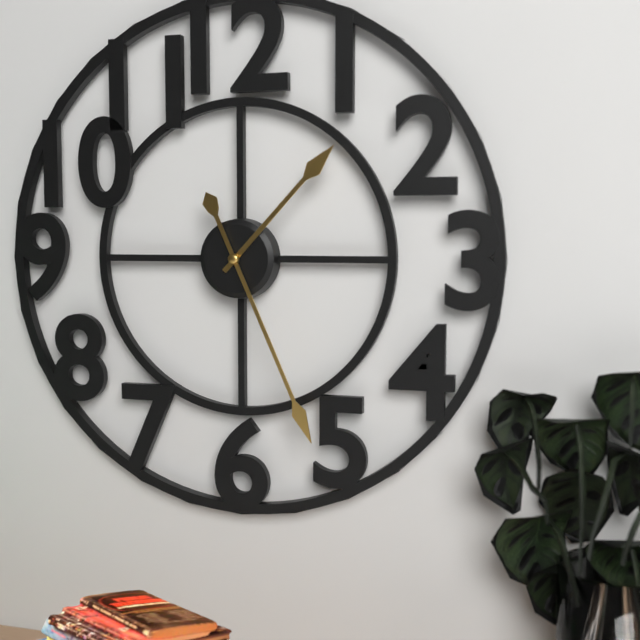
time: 1:26
